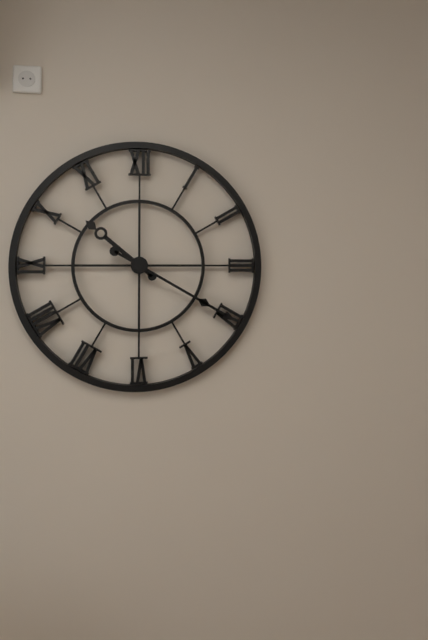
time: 10:20
